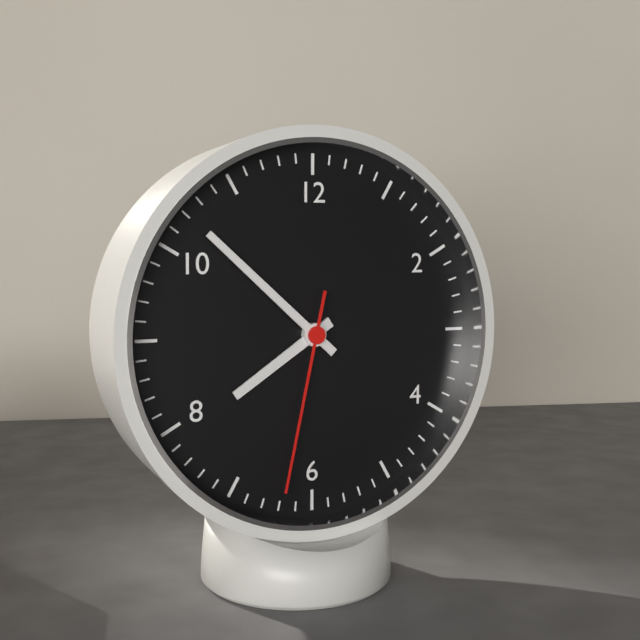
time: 7:52:32
